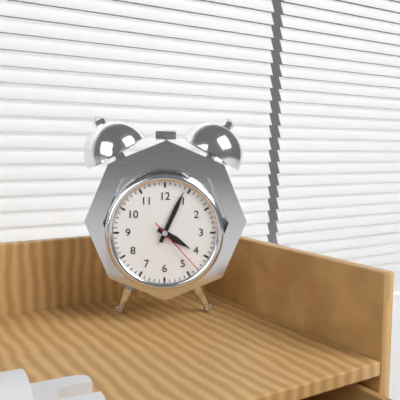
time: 4:04:23
